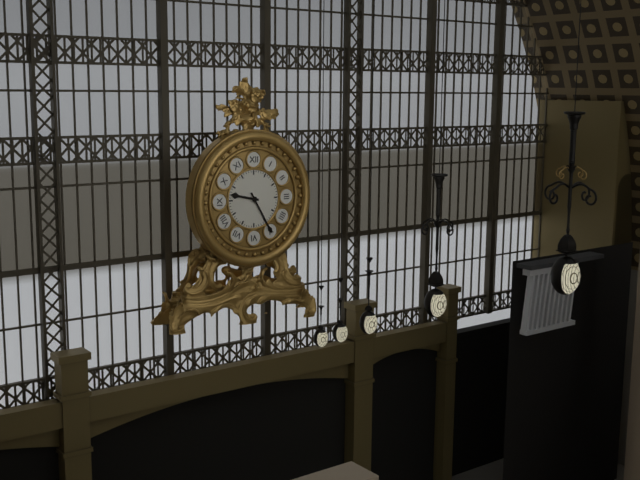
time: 9:25
